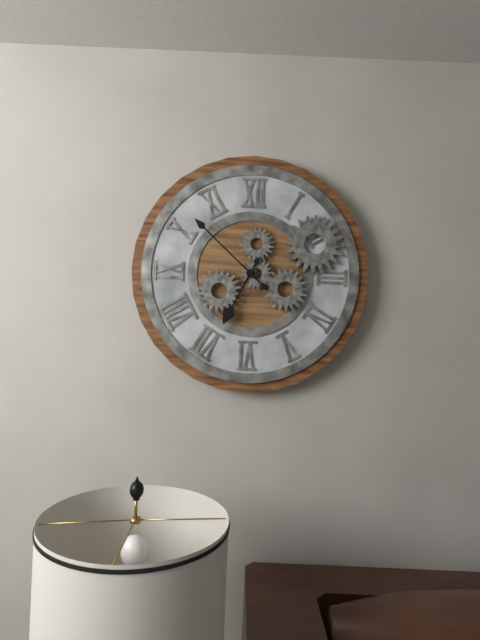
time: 6:52
